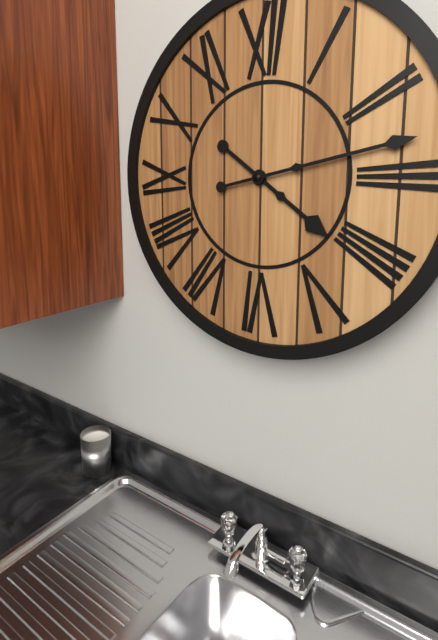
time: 4:13
